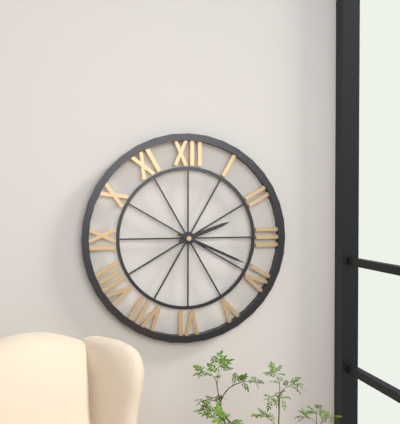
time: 2:19
